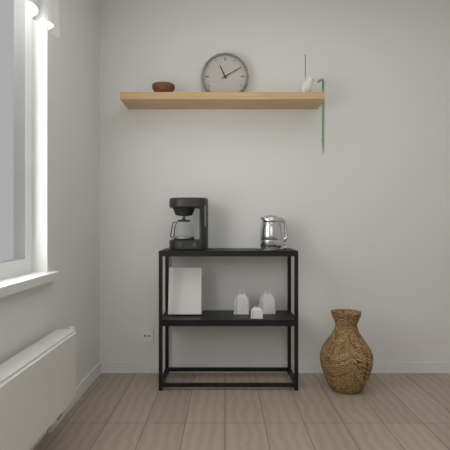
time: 11:10
